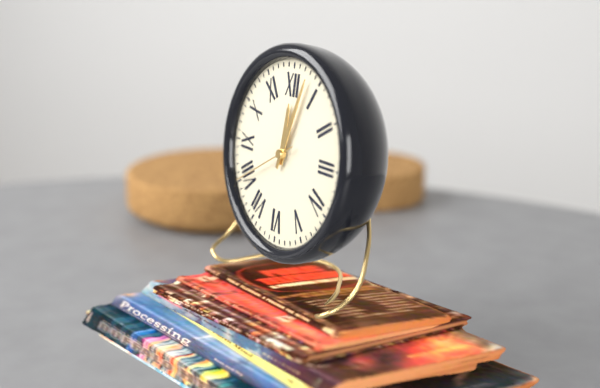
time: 12:03:40
